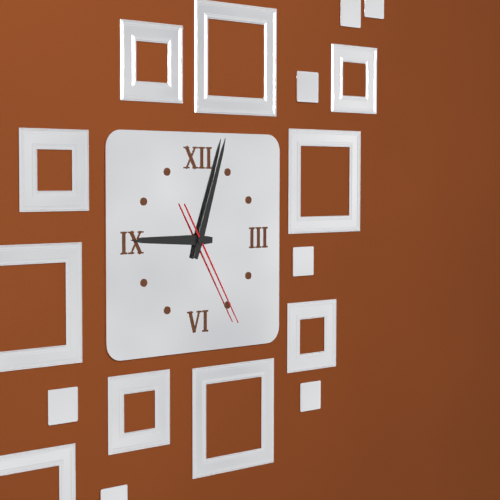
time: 9:03:25
